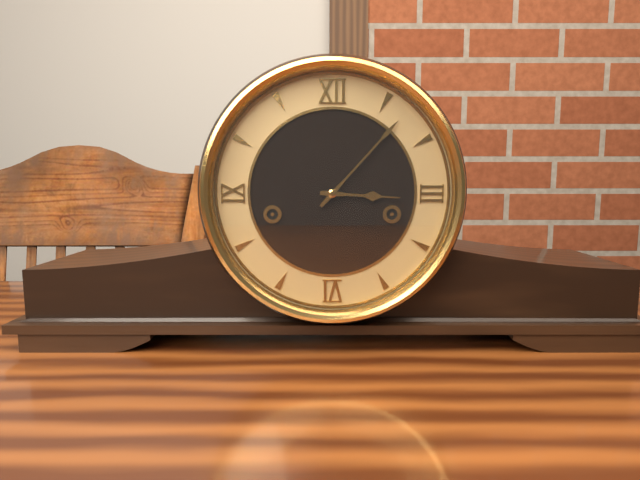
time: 3:07
